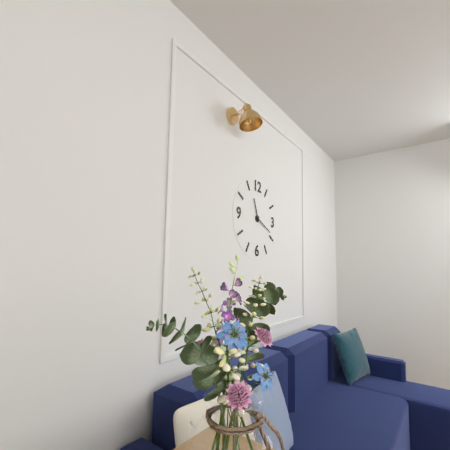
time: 11:19
